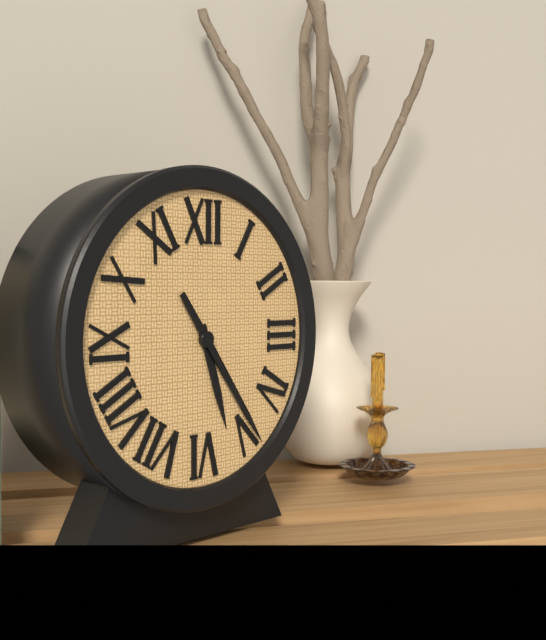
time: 5:24
